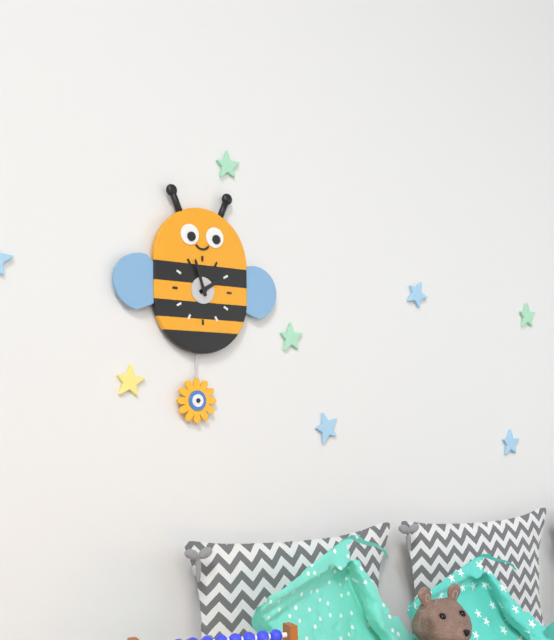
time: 1:57
